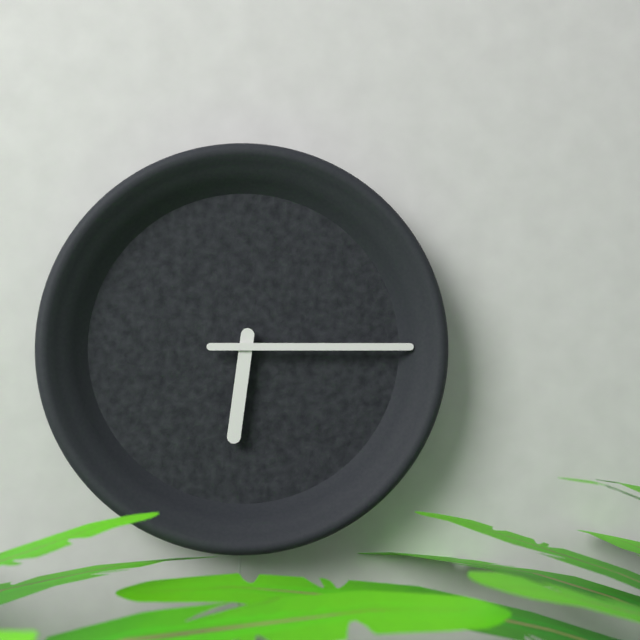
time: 6:15
